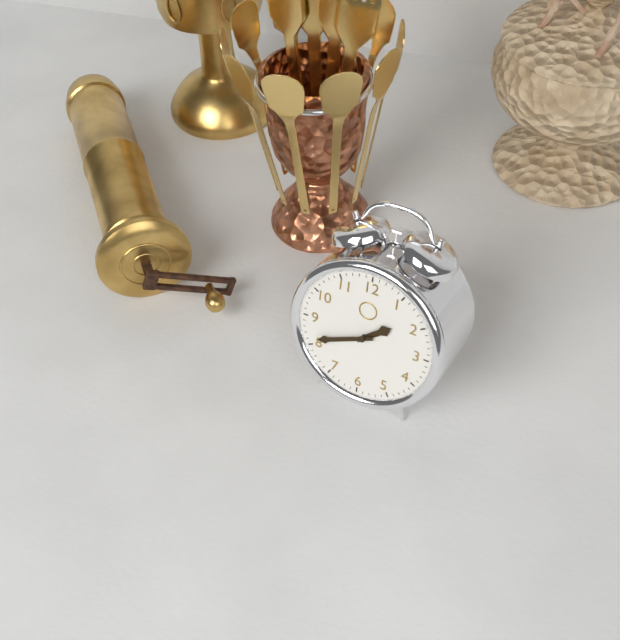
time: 1:41
